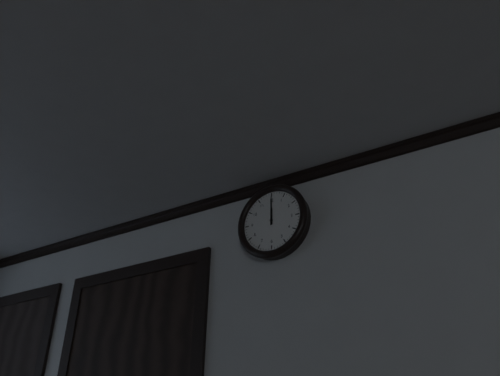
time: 12:00
